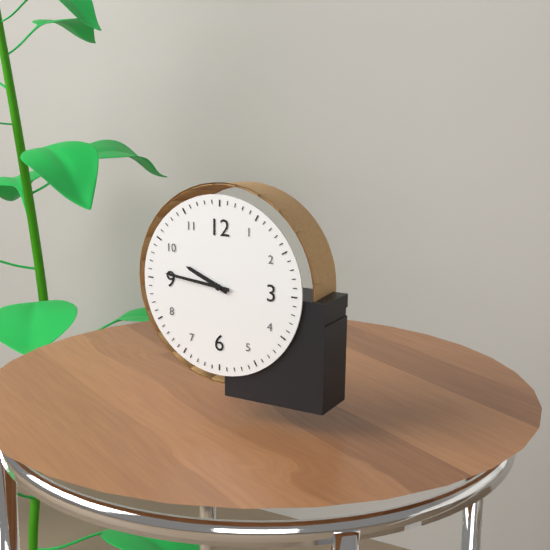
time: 9:46
